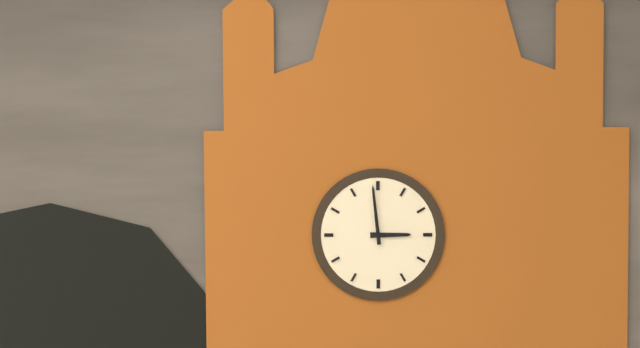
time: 2:59
